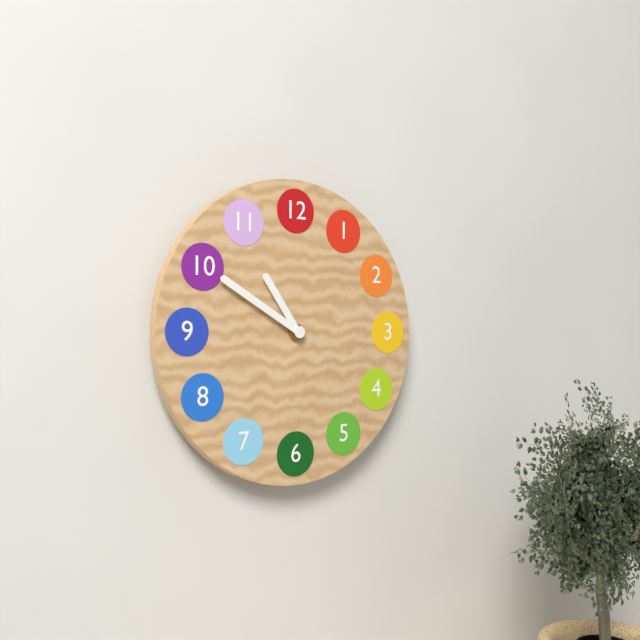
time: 10:50
